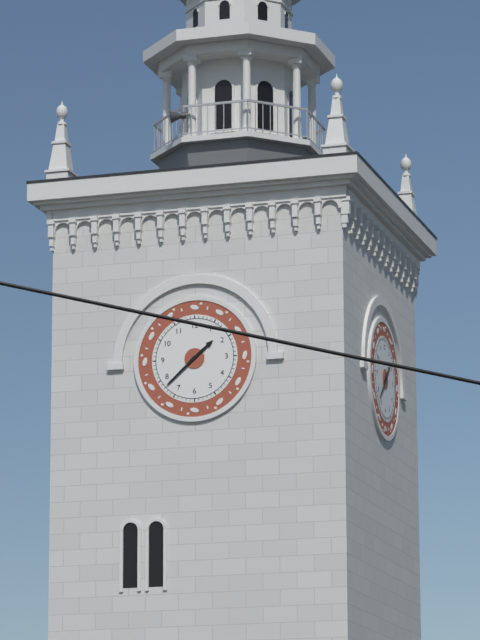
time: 1:38
